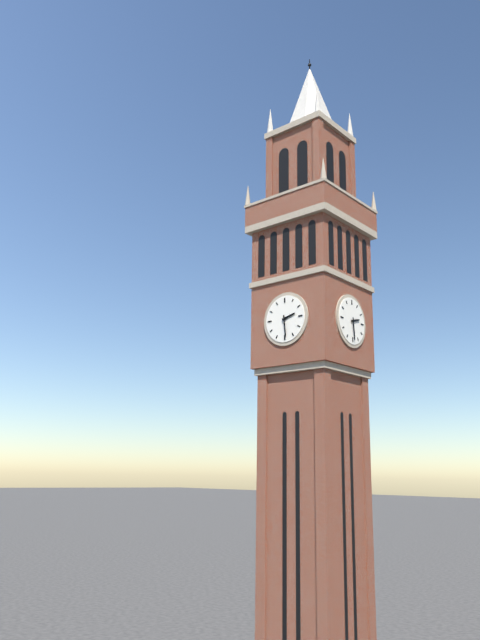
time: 2:29
